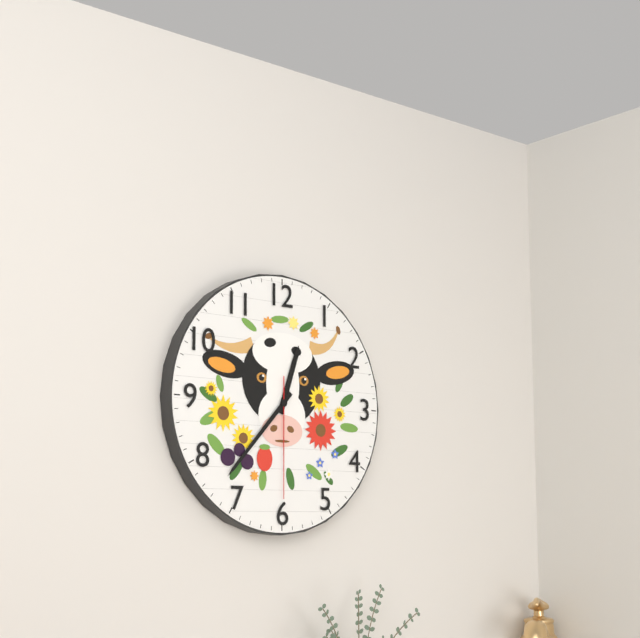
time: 12:37:30
